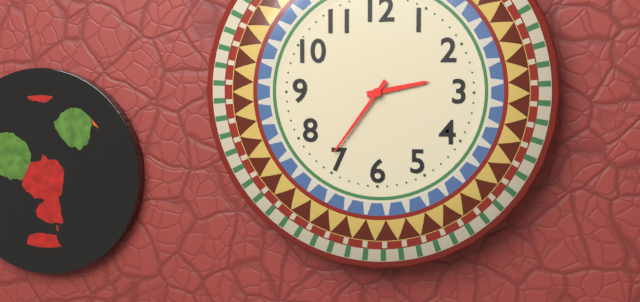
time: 2:36
